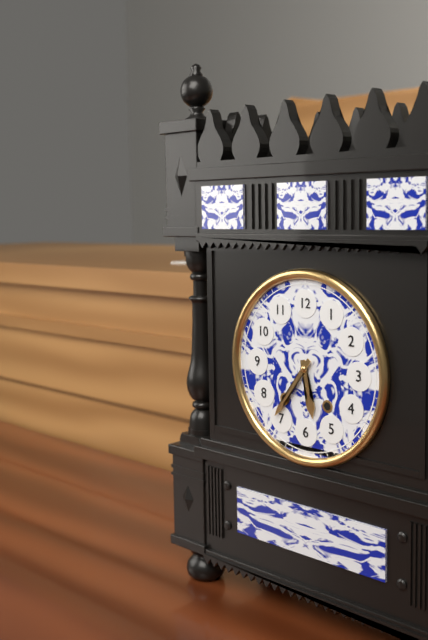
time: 5:36
